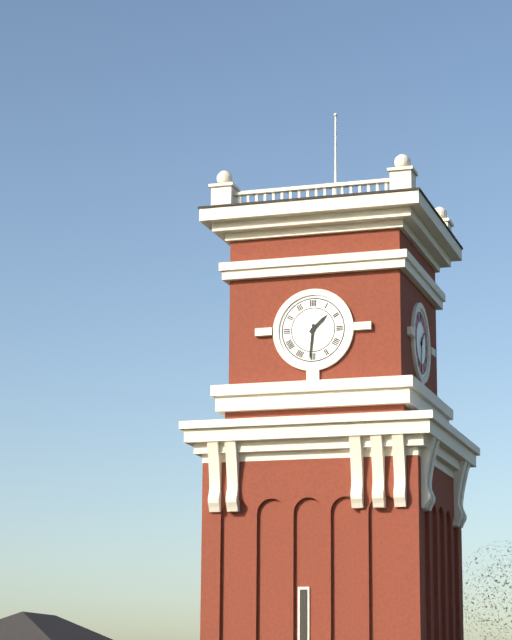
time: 1:31
